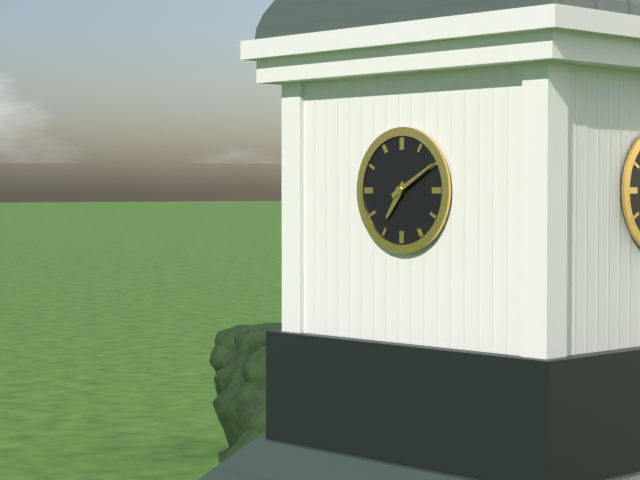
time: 7:10
